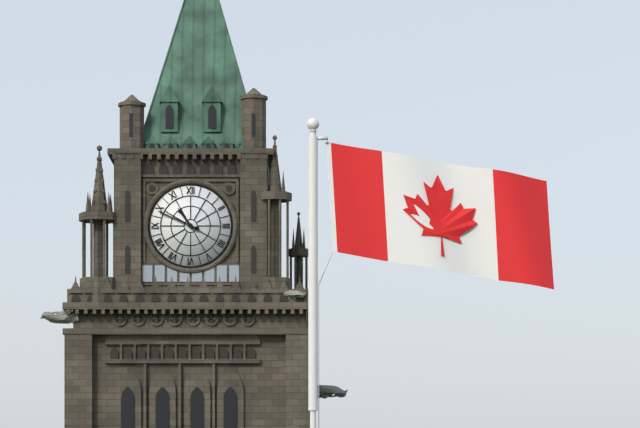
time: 10:49
